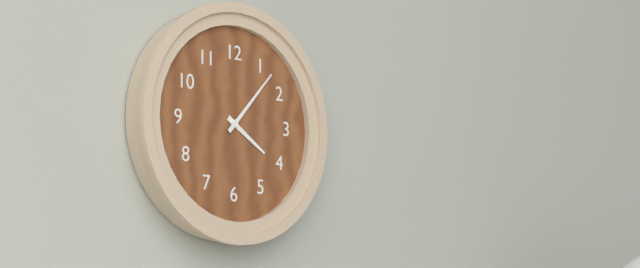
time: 4:07
